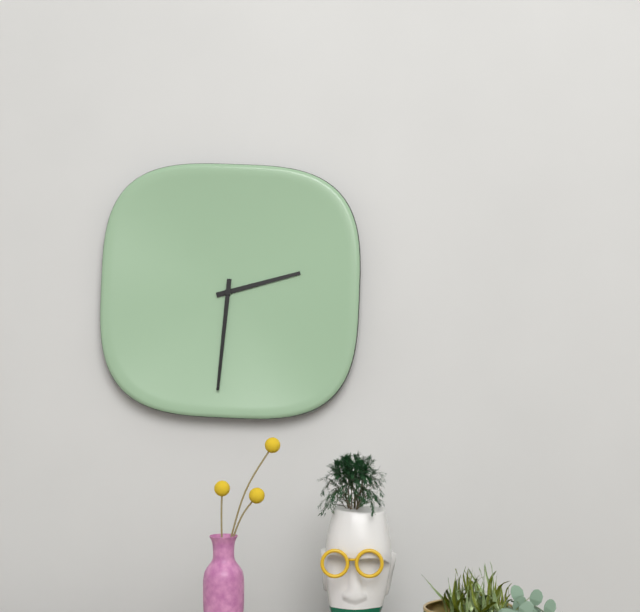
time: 2:31
